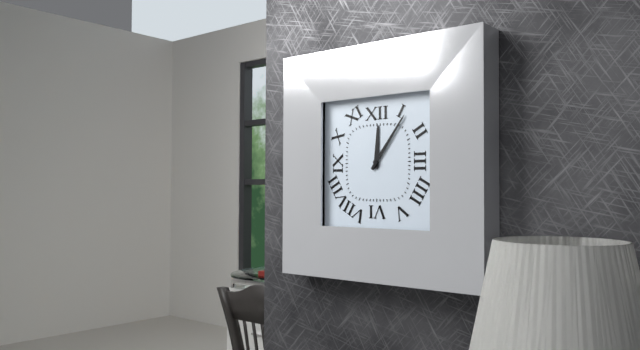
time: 12:06
